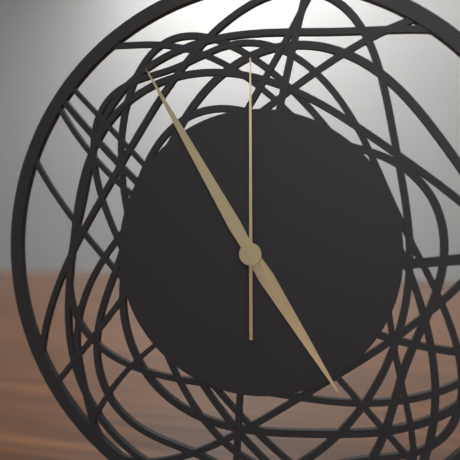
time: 4:55:00
